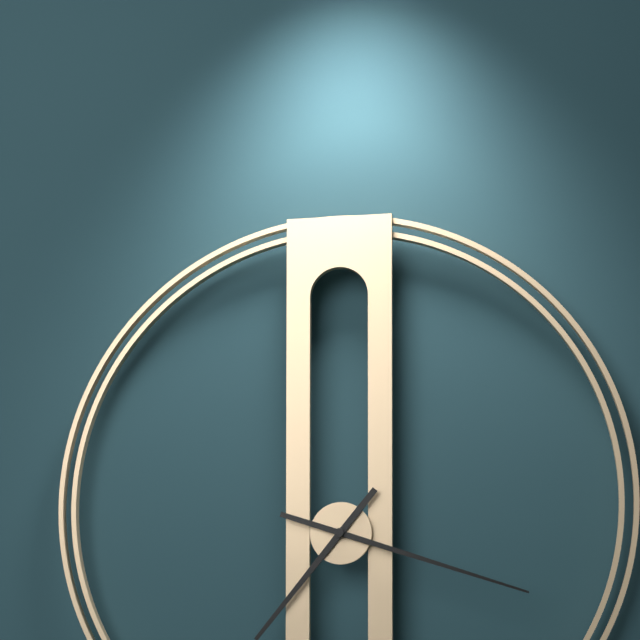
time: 7:18
